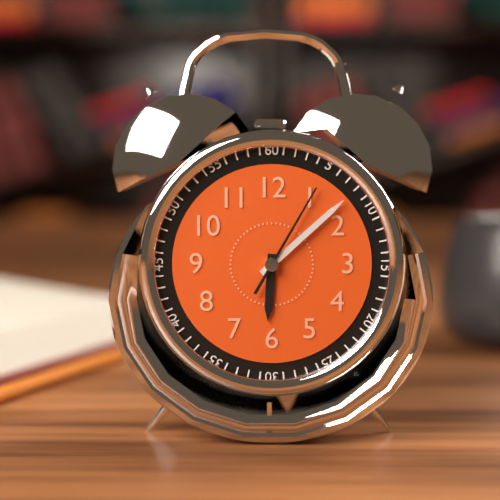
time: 6:08:05
